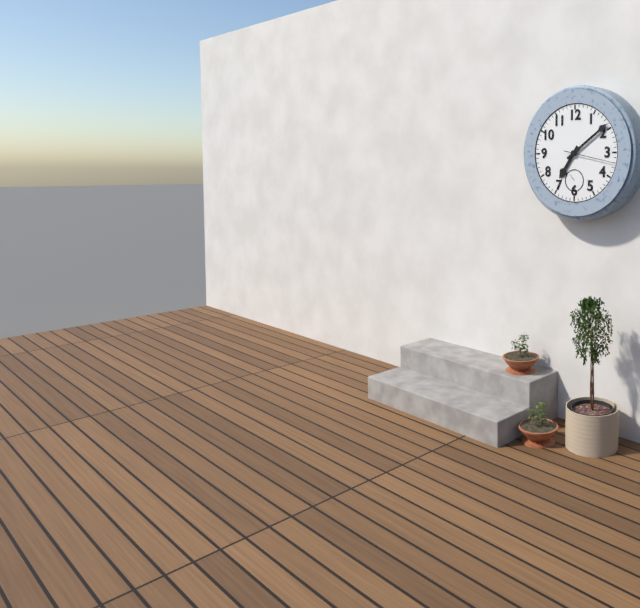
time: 7:09:17
